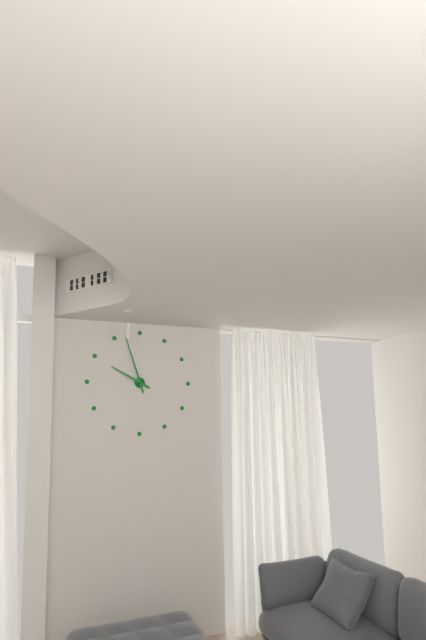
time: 9:57
